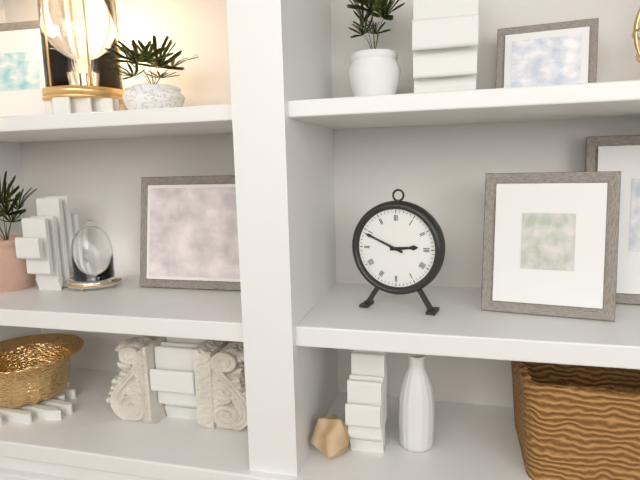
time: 2:49
